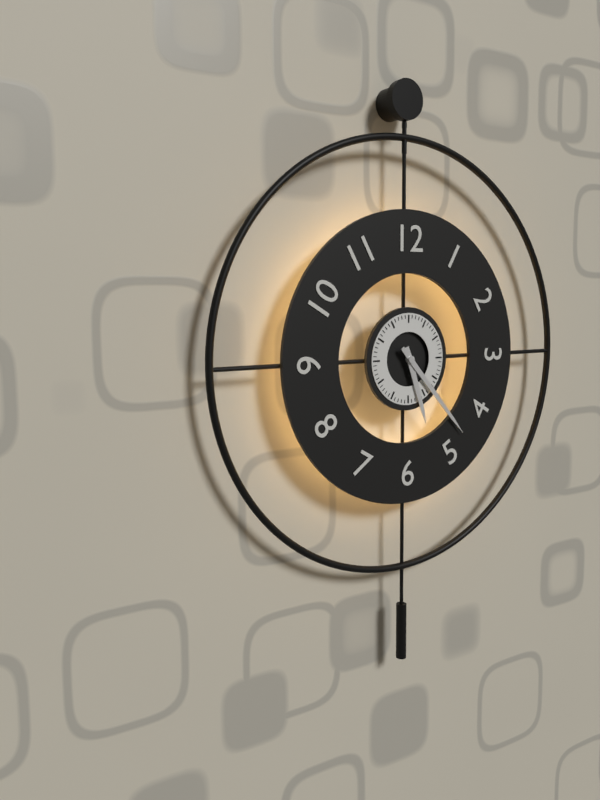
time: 5:23
